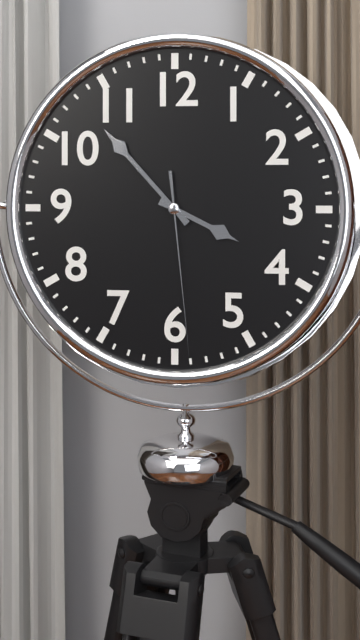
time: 3:53:29
